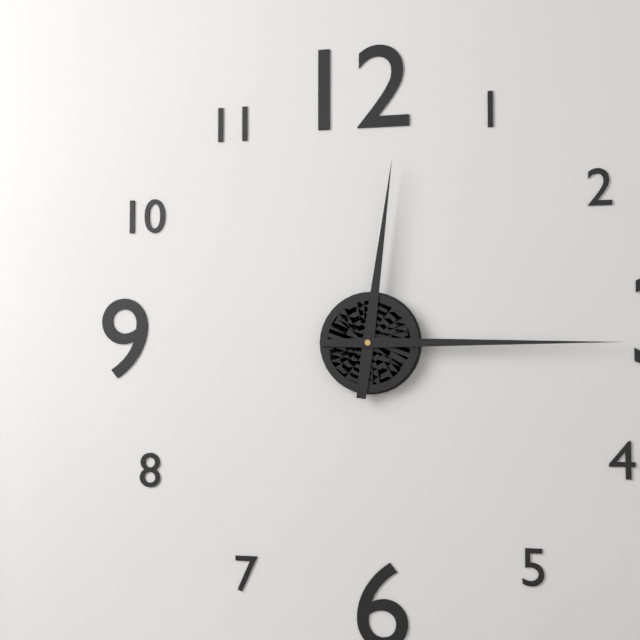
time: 12:15
